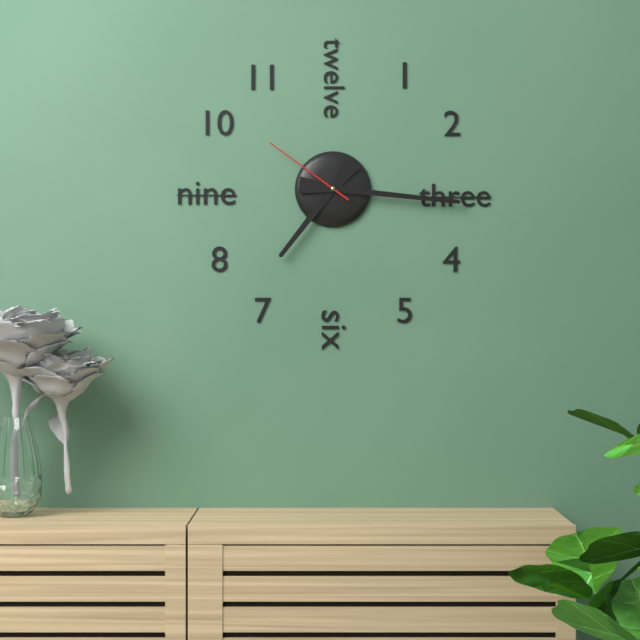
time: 7:16:51
